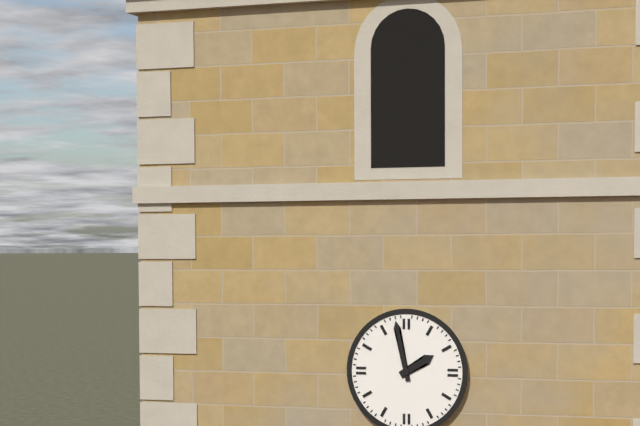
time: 1:58
